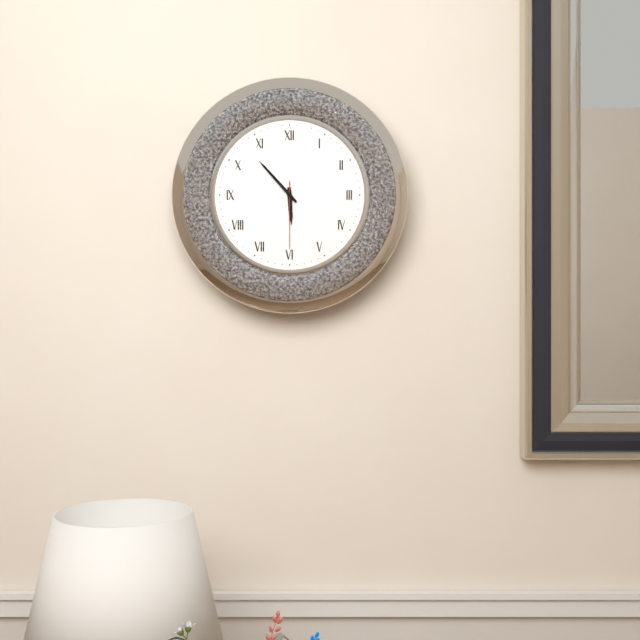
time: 5:53:30
